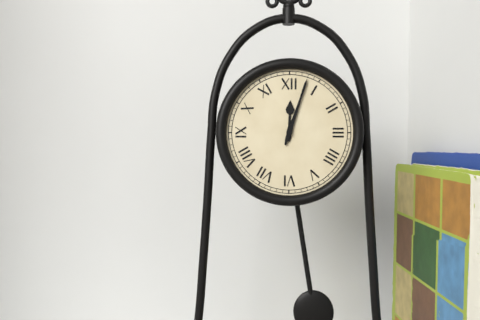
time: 12:03
